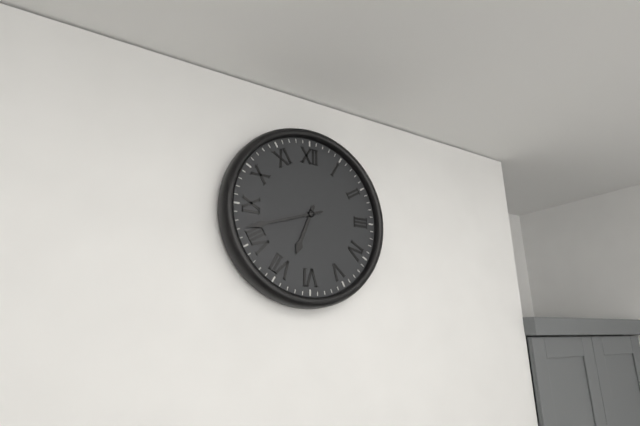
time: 6:42
